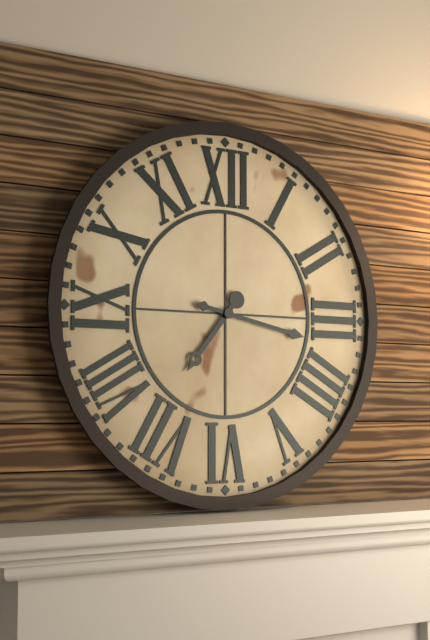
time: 7:17
